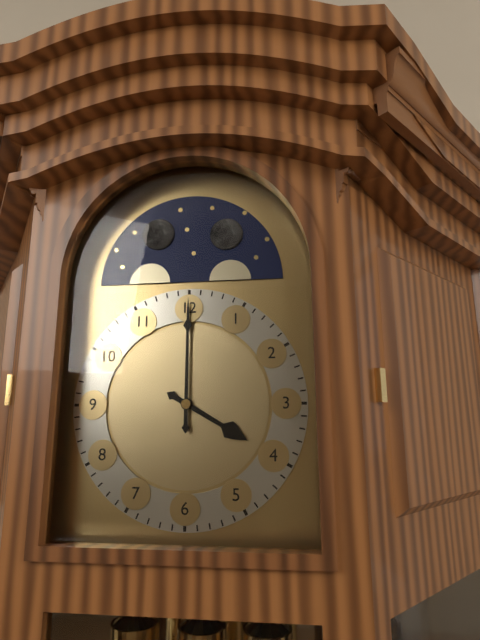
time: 4:00
